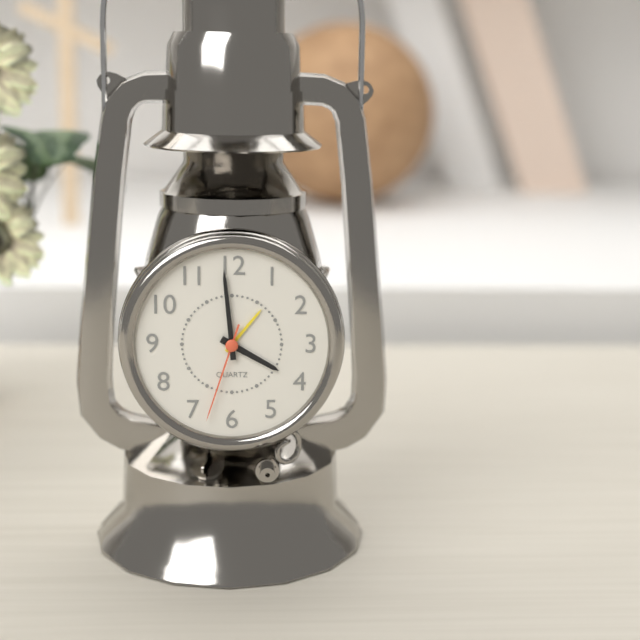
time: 3:59:33
